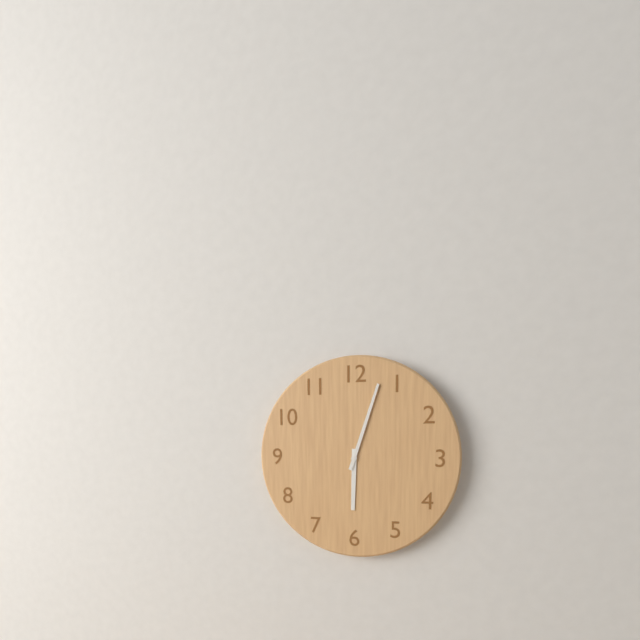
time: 6:03
